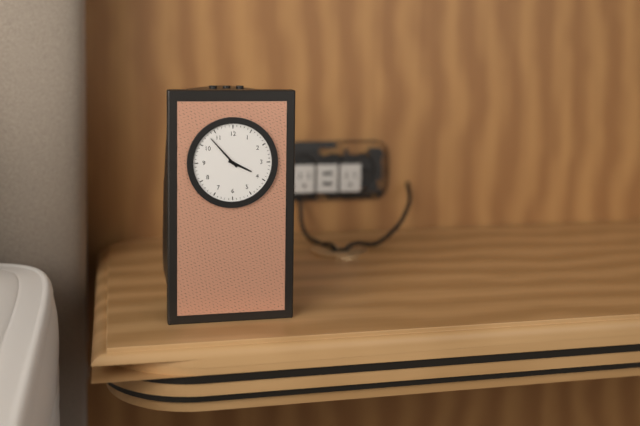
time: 3:53
